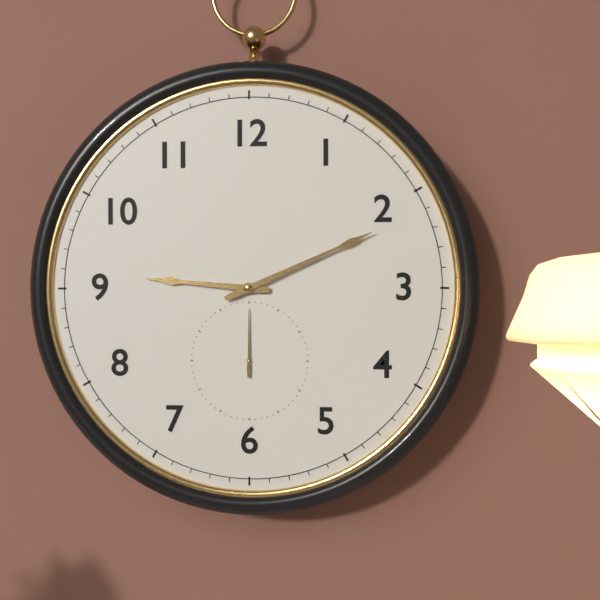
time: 9:11:00
